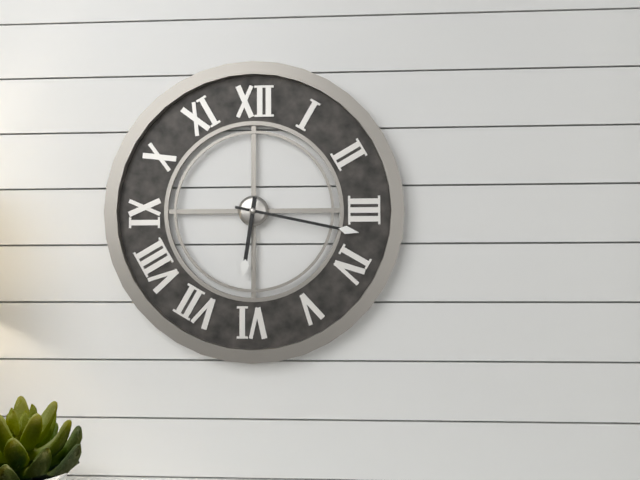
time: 6:17
